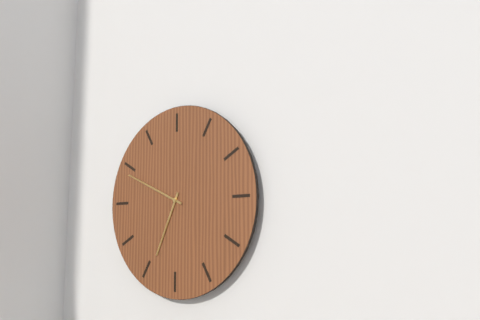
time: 6:49
